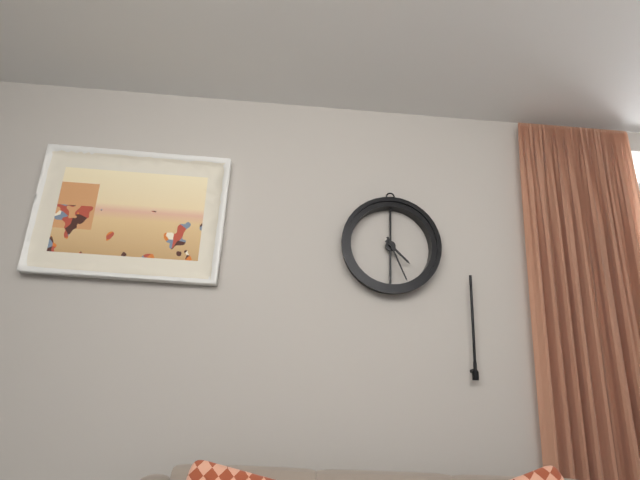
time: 4:26
